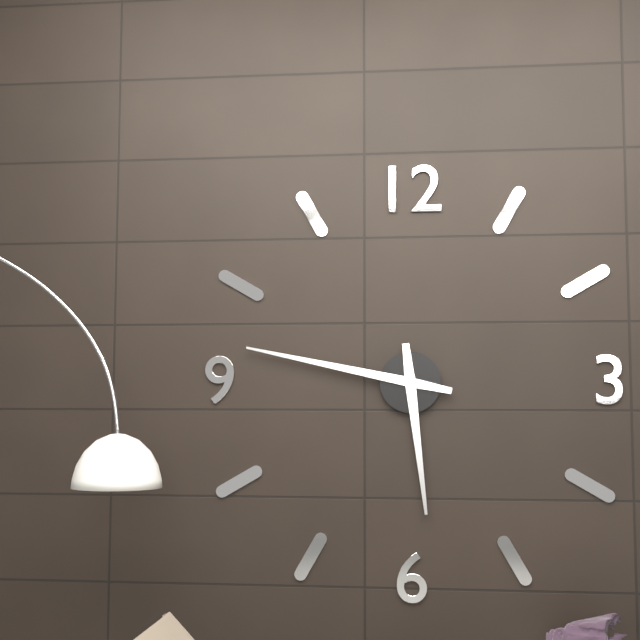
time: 5:47
